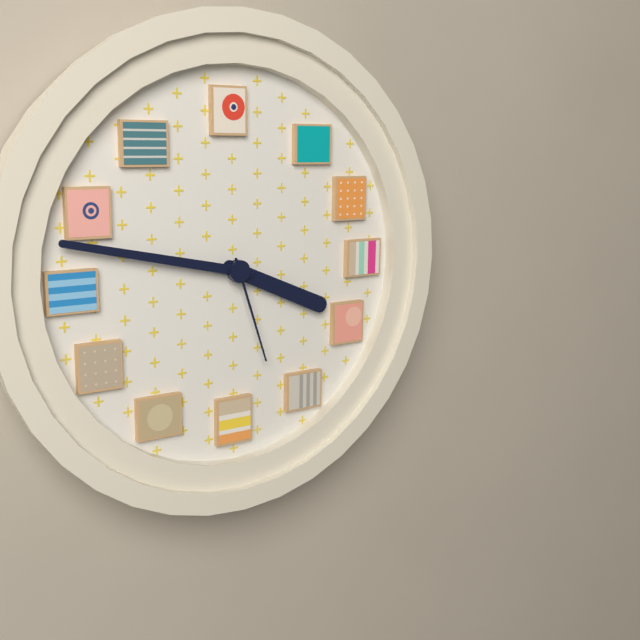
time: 3:47:27
